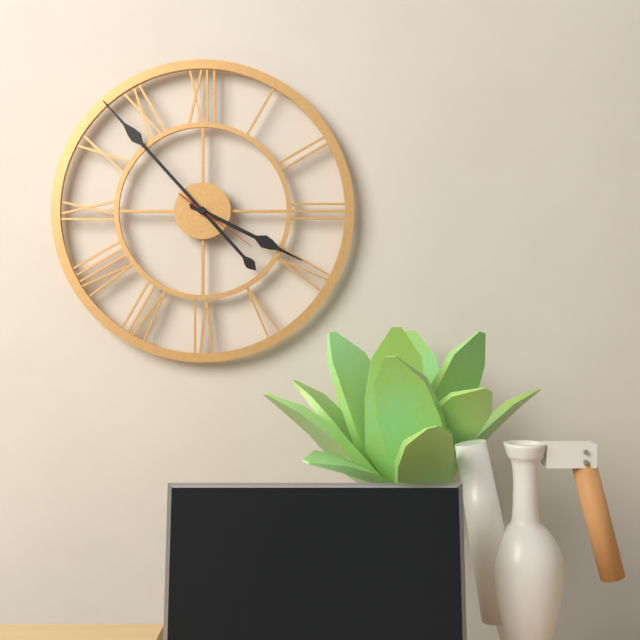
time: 3:53:21
